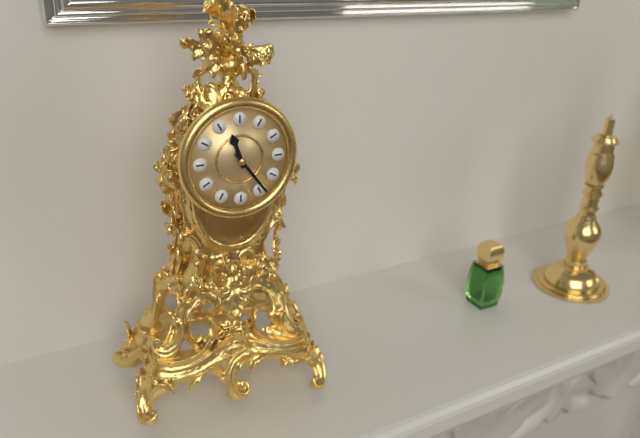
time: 11:24
